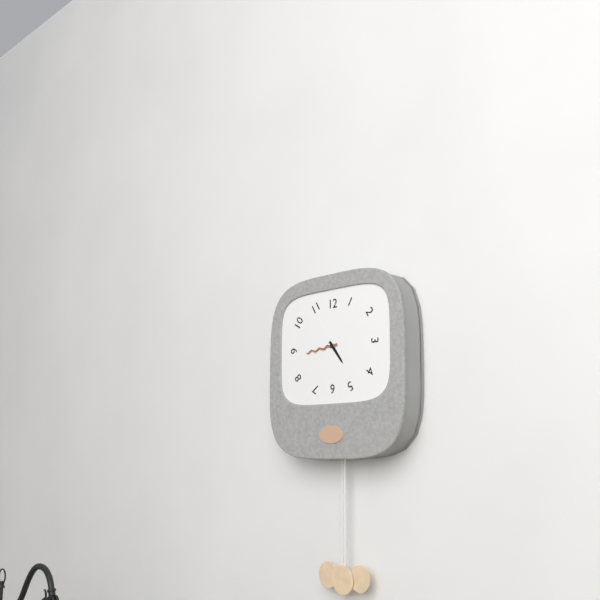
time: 4:44
